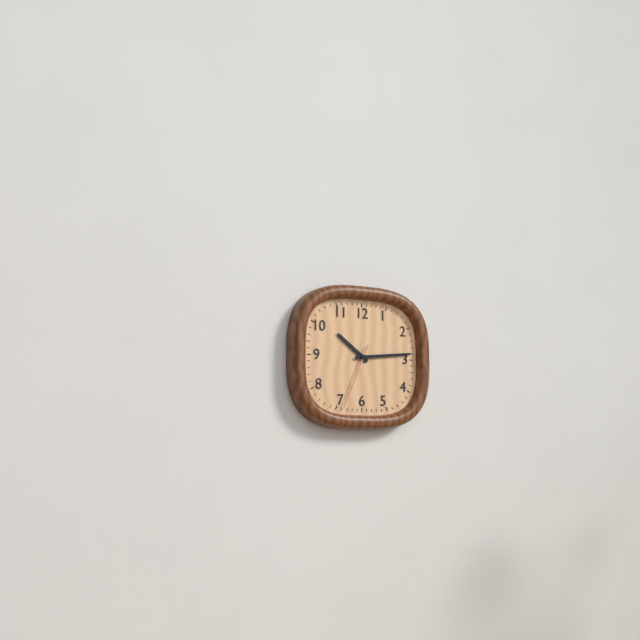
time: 10:14:34
